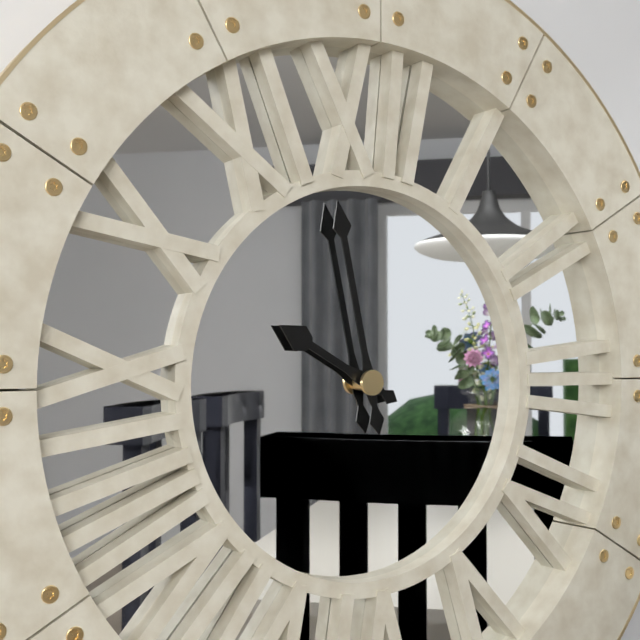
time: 9:58
